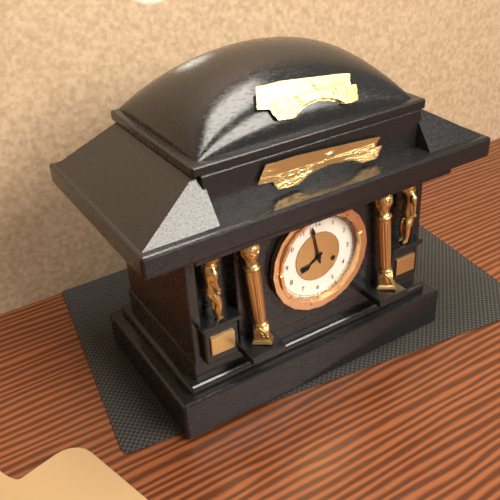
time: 7:58
